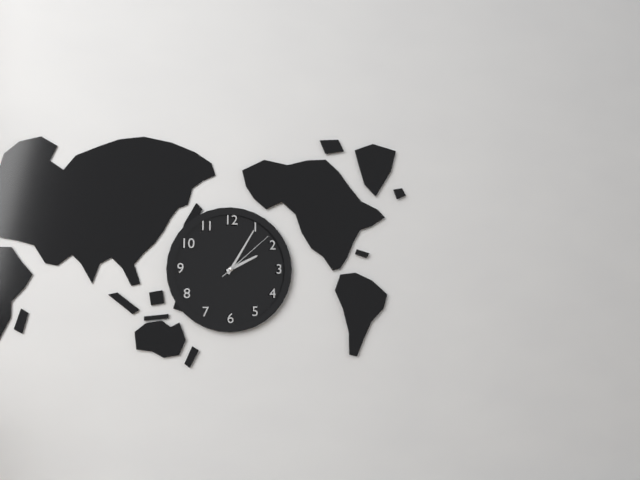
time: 2:05:08
